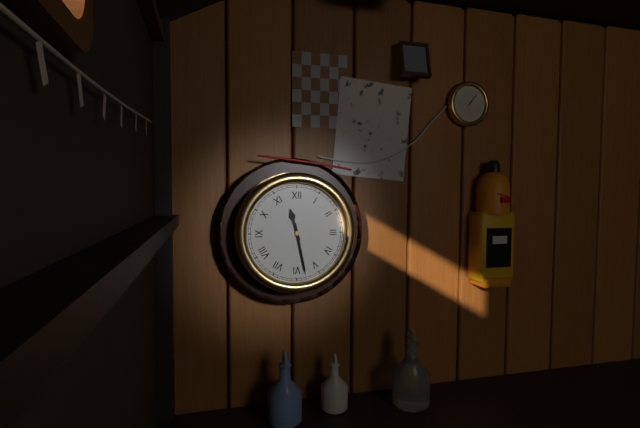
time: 11:28
